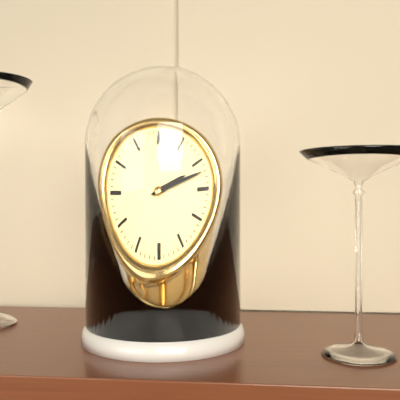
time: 2:12
